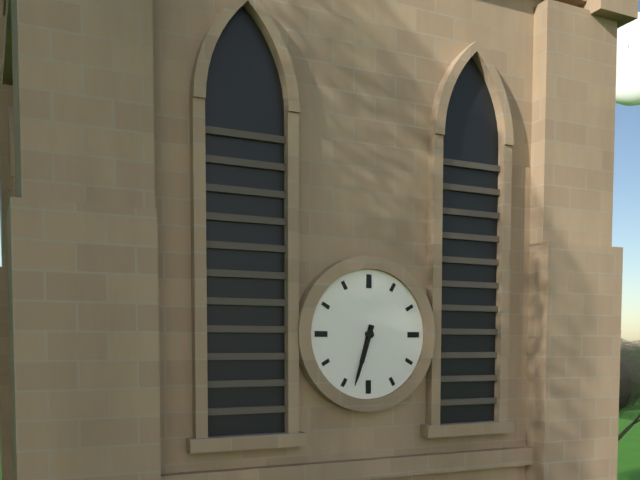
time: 6:33
